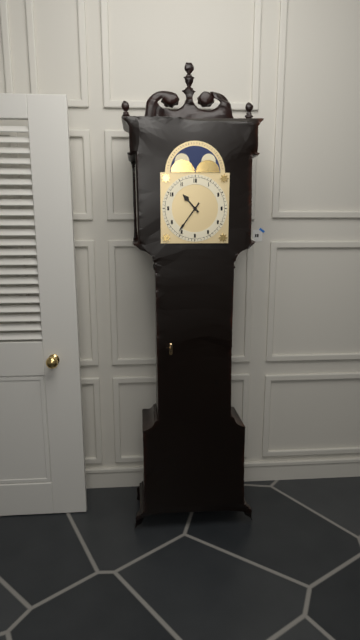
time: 10:36
